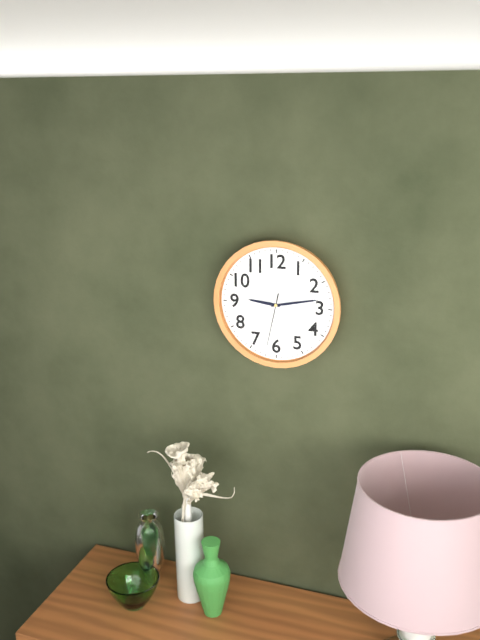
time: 9:13:32
